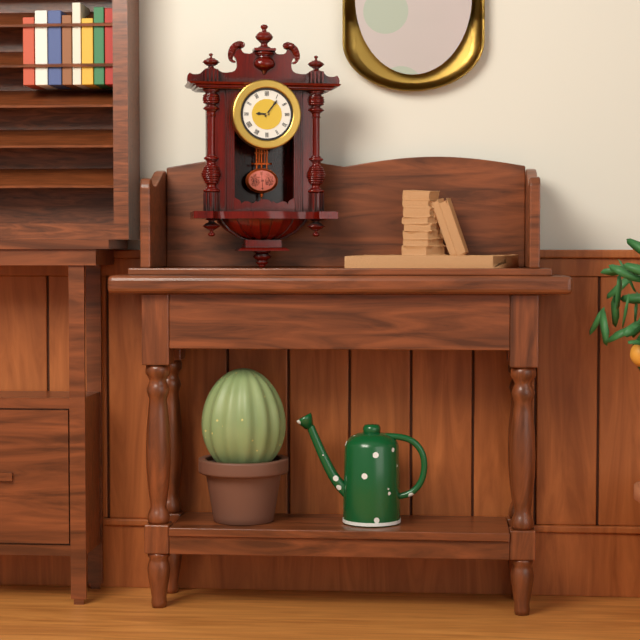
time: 9:06
